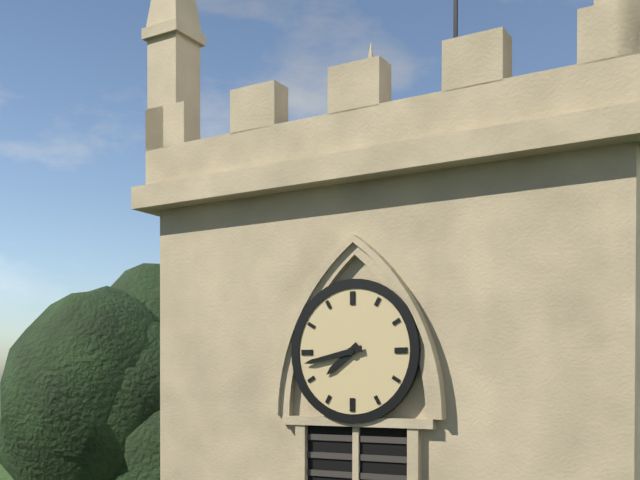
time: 7:43
